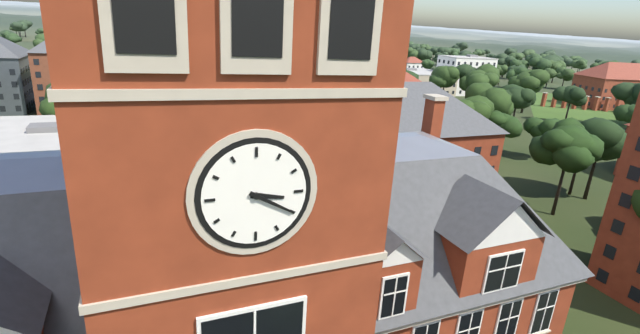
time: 3:20
